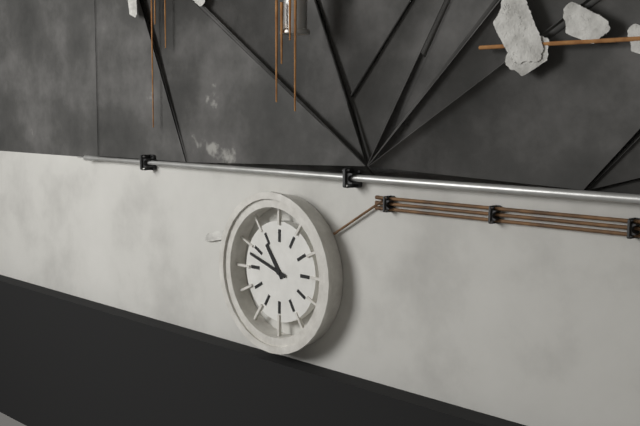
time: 10:48
